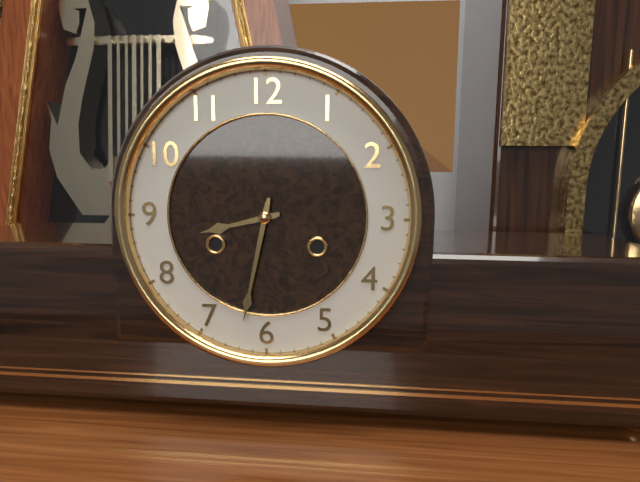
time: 8:32
